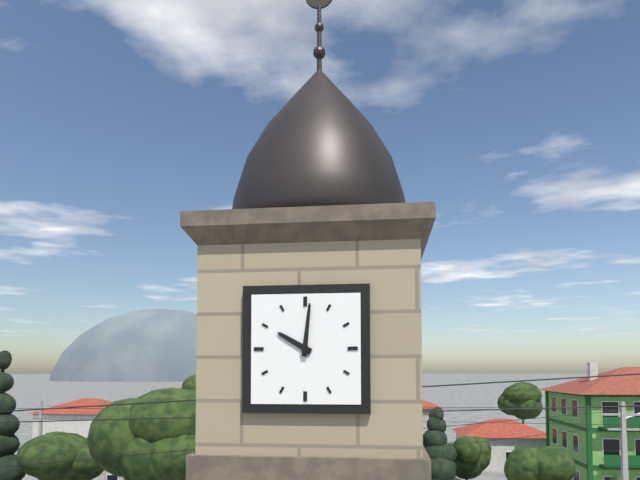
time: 10:01
